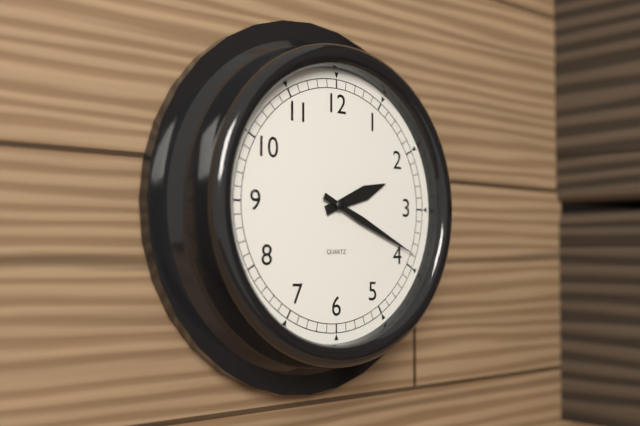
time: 2:19
